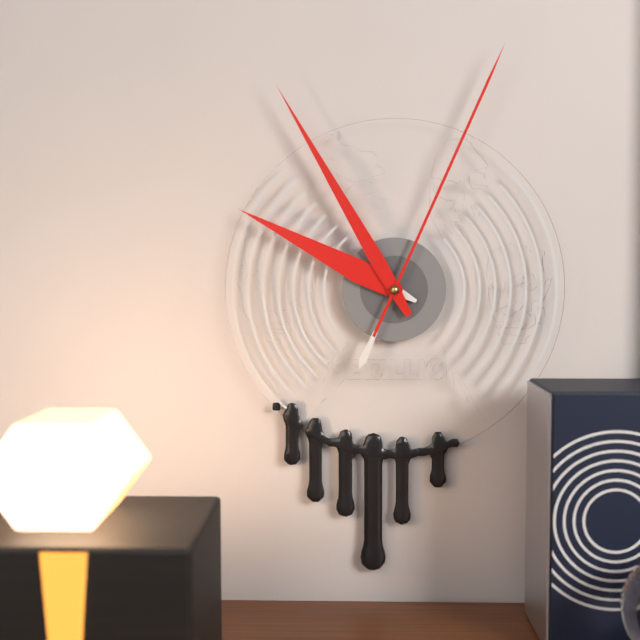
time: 9:55:04
